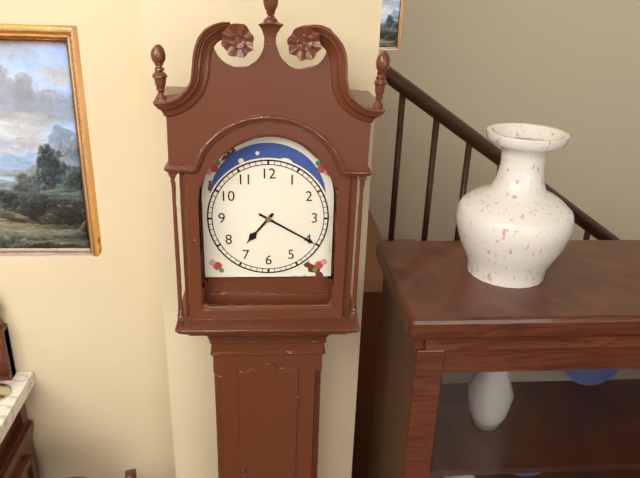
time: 7:20
